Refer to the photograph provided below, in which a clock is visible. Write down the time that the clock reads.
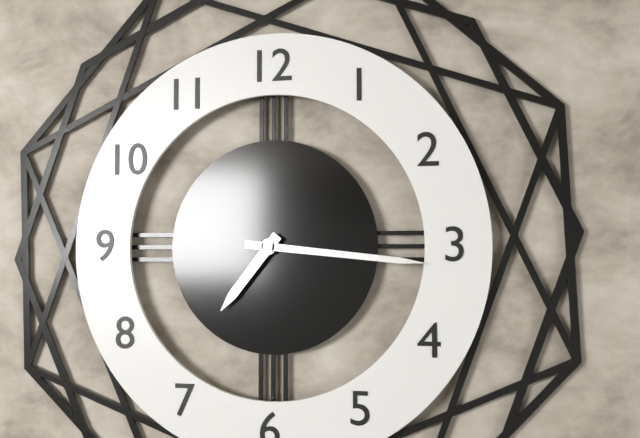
7:16
